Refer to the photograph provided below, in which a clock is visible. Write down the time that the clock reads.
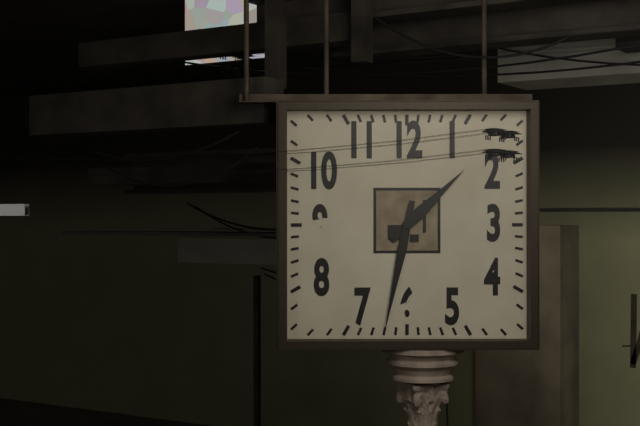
1:32
